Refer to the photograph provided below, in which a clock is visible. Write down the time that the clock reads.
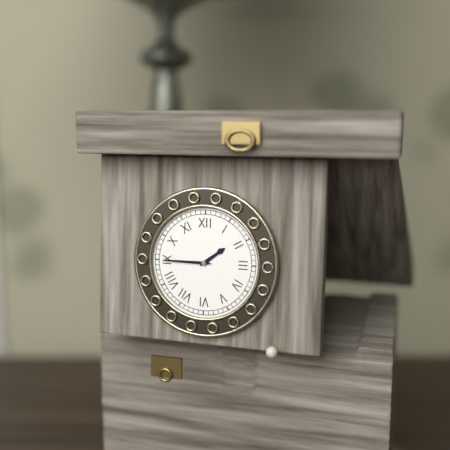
1:45
